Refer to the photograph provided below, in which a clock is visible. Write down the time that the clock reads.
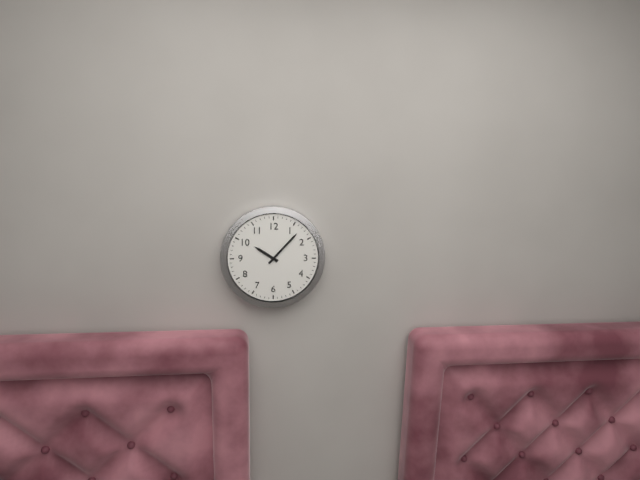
10:07
